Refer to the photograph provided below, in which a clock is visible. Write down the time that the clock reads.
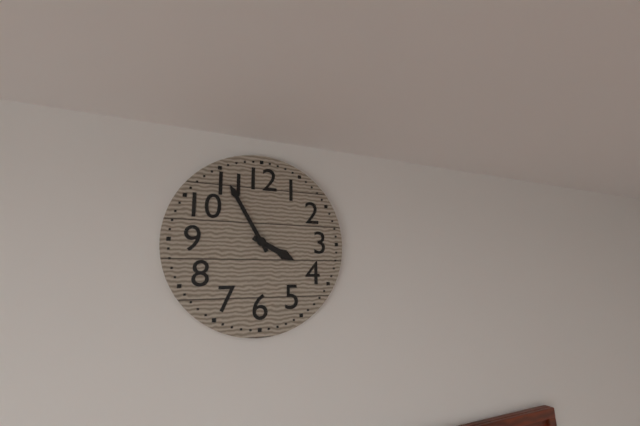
3:55
